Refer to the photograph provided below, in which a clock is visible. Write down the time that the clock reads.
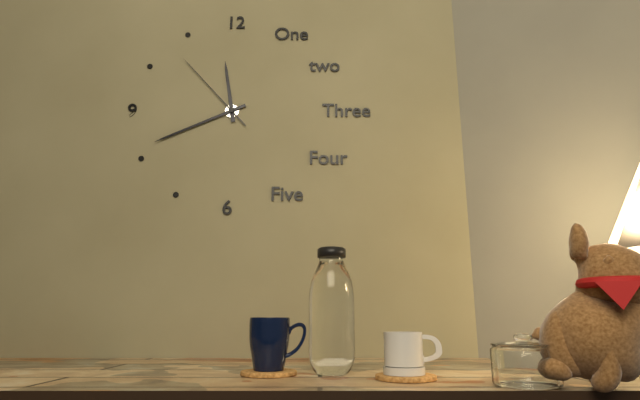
11:41:53
